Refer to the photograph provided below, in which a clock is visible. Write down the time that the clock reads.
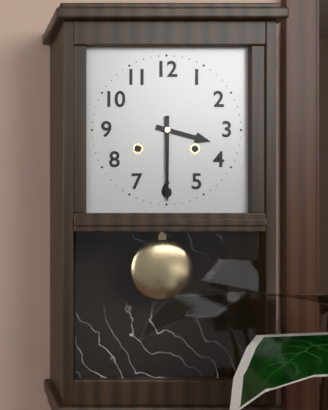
3:30
